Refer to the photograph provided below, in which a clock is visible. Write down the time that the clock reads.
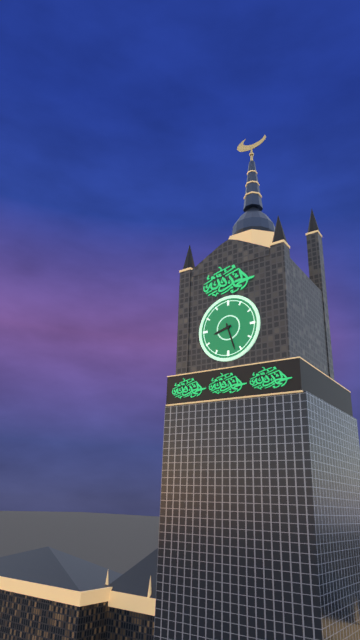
8:27
